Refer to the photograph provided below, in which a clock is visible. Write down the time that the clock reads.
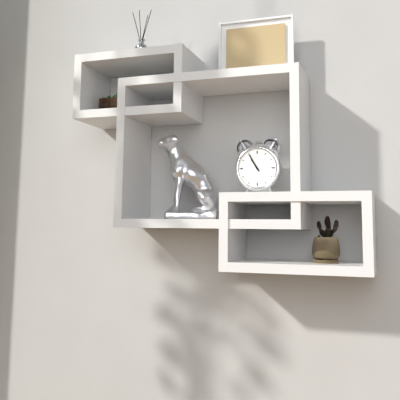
10:55
